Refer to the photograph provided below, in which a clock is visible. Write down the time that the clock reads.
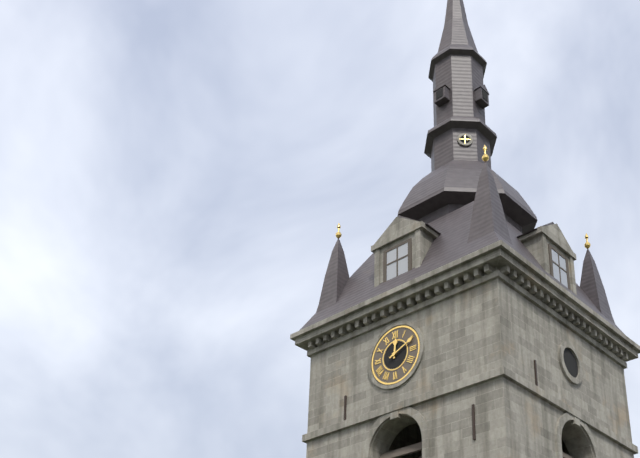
12:11
